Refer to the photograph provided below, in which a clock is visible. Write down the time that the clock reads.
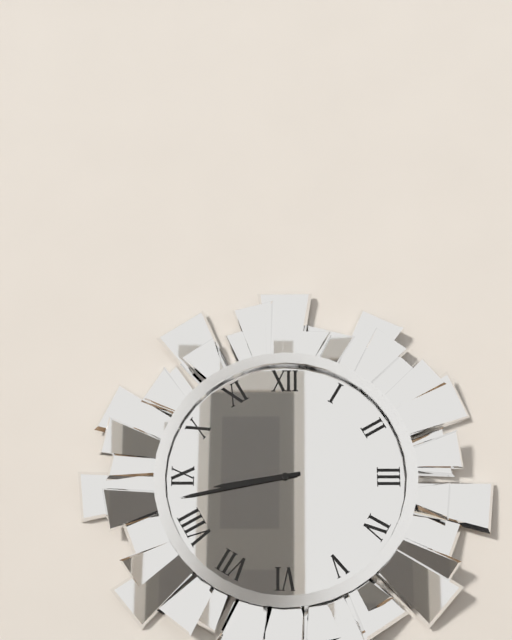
8:43
